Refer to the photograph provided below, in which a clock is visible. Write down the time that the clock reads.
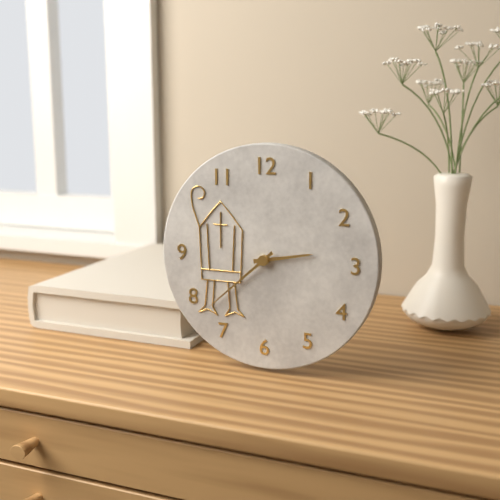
2:38
